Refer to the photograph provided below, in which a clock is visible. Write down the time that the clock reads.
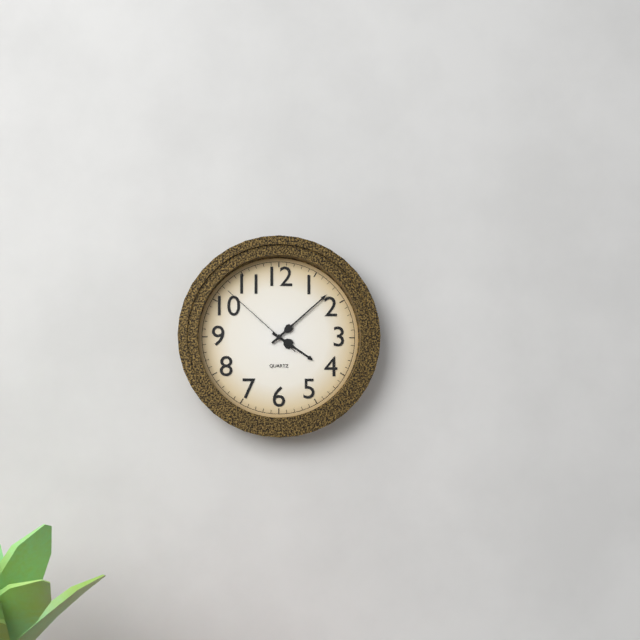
4:08:52
